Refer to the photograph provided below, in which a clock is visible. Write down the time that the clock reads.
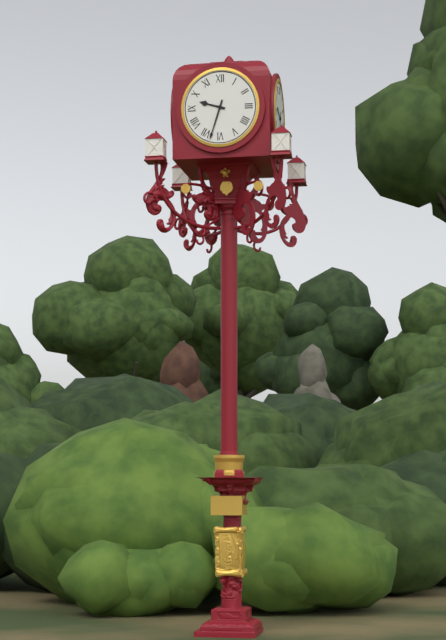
9:33
